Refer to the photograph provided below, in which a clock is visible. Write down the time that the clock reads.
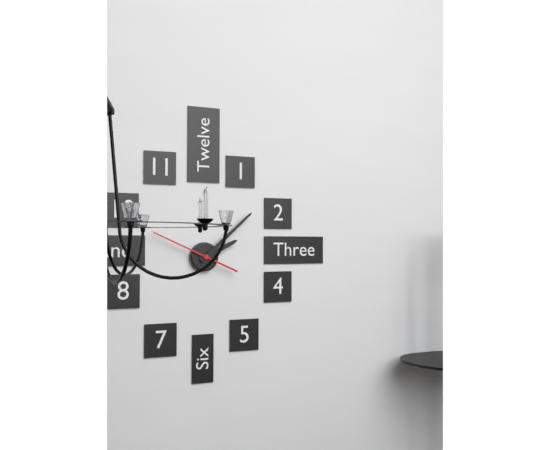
2:08:49
